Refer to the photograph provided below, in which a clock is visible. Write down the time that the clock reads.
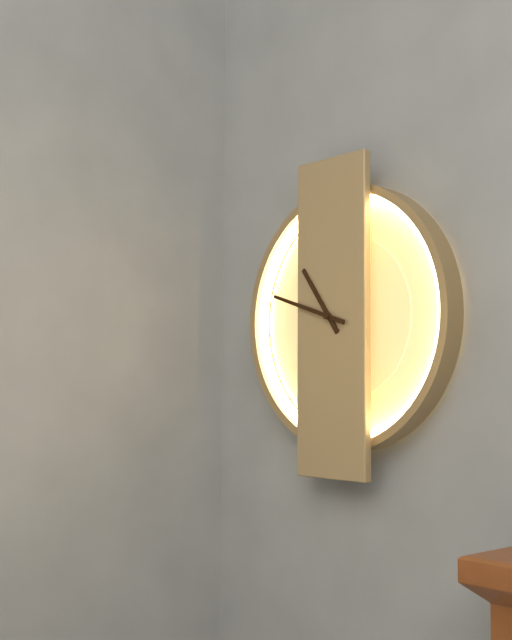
10:48
